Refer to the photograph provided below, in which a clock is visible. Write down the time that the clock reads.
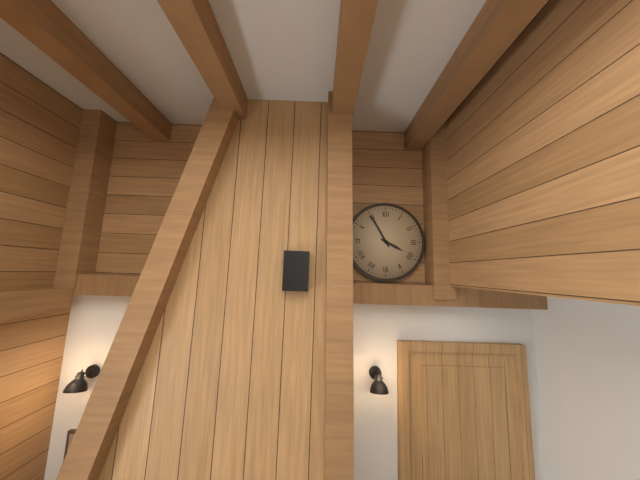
3:55
